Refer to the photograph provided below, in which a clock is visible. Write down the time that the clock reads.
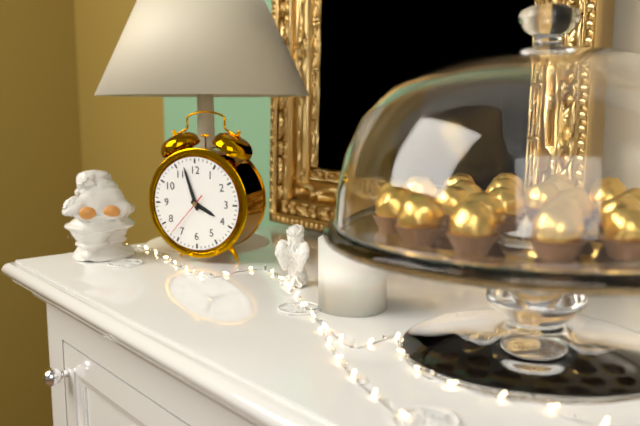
3:57
